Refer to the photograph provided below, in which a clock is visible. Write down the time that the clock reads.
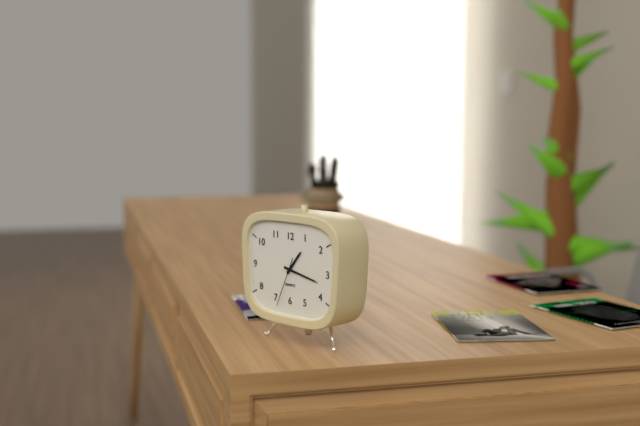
1:17
